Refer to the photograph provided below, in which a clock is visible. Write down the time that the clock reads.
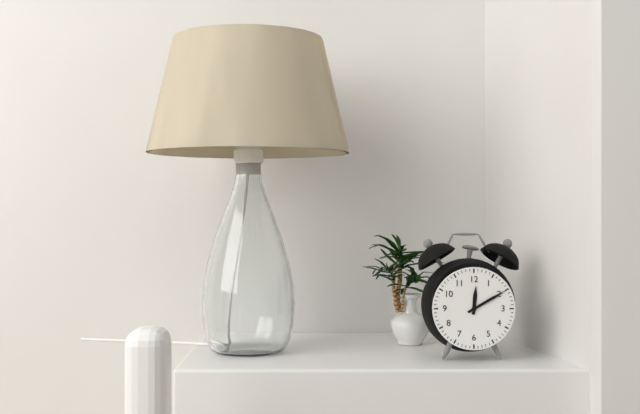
12:10
